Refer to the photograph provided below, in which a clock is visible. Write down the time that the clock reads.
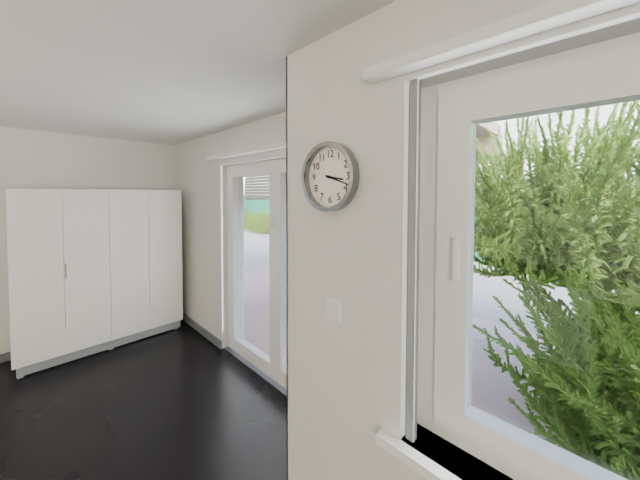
3:18
